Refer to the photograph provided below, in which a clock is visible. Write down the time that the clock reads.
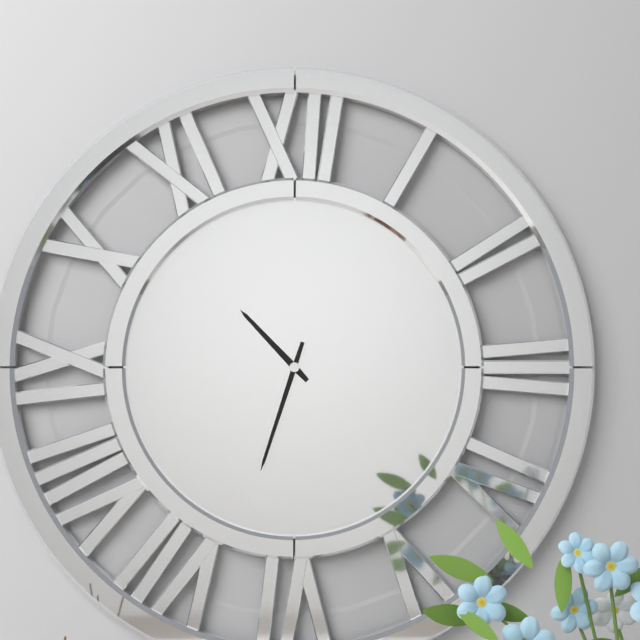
10:33
